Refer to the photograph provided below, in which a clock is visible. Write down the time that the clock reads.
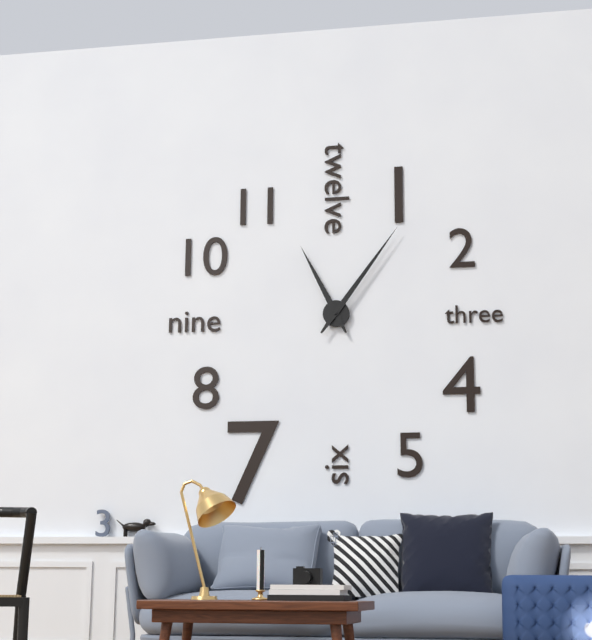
11:06
